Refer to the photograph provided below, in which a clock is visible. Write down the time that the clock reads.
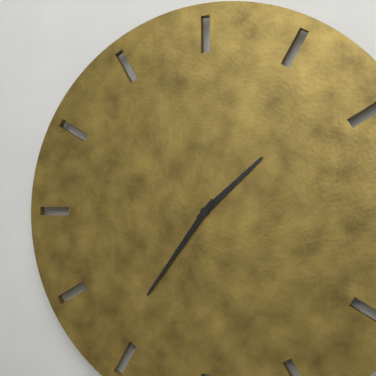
1:36
